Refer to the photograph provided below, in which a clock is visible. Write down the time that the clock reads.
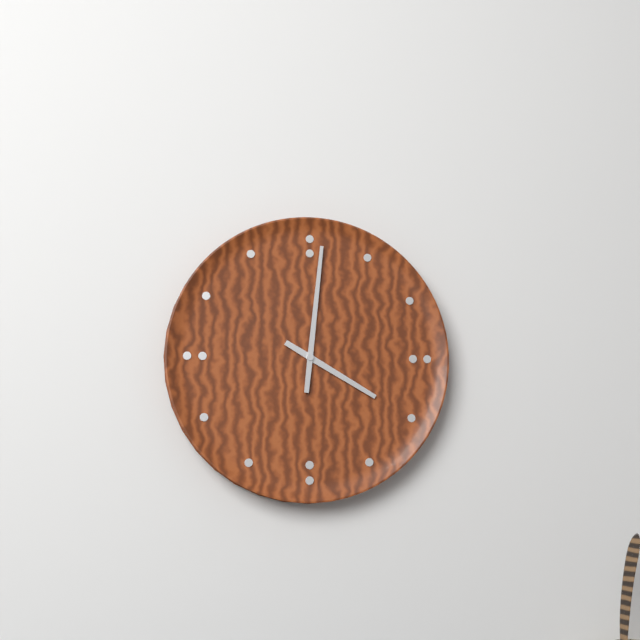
4:01
